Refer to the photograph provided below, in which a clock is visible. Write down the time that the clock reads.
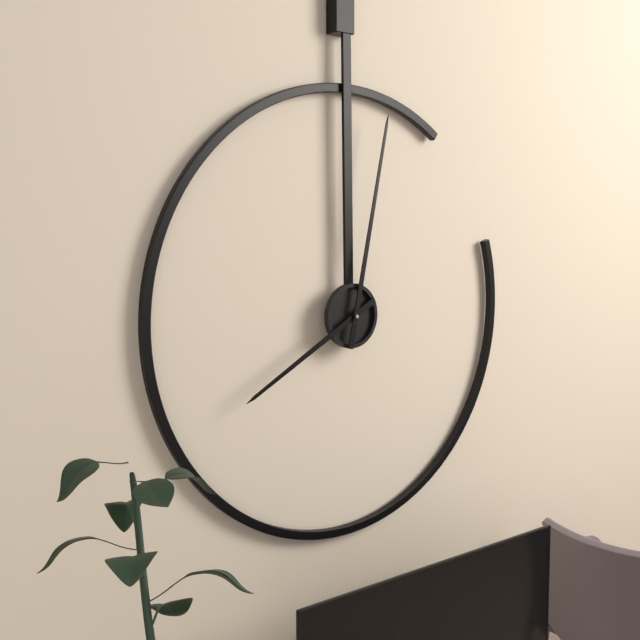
8:02
